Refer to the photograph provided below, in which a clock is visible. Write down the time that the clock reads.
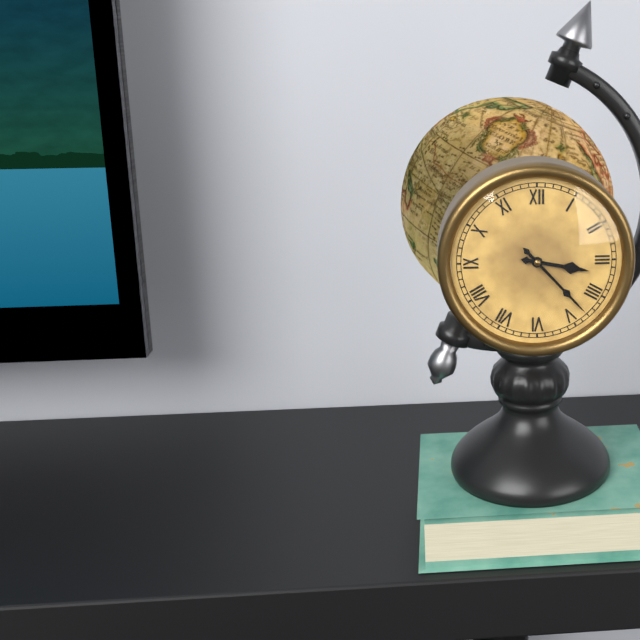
3:23
